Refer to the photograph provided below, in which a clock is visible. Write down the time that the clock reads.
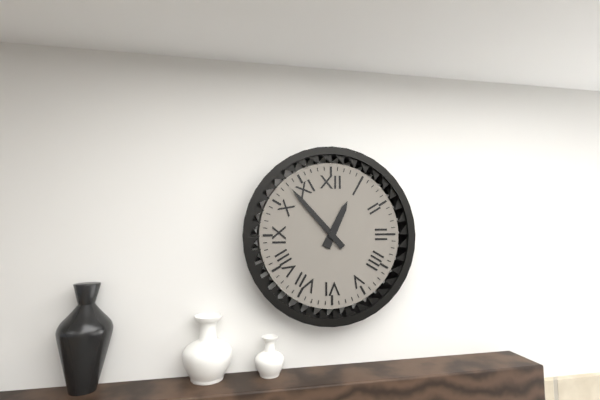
12:53
